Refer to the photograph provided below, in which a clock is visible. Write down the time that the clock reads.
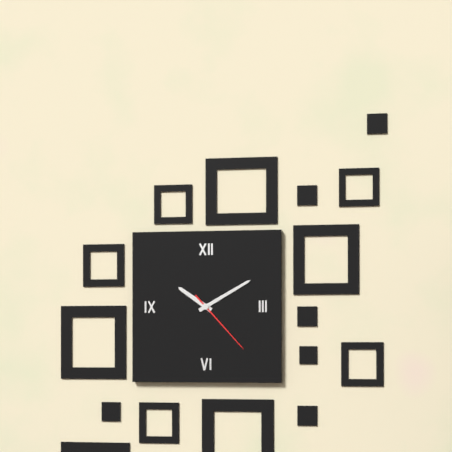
10:10:23
